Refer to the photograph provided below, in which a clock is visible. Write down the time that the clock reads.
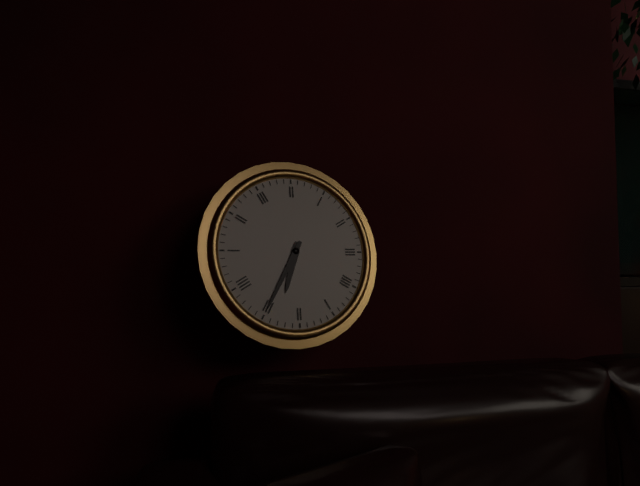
6:35
